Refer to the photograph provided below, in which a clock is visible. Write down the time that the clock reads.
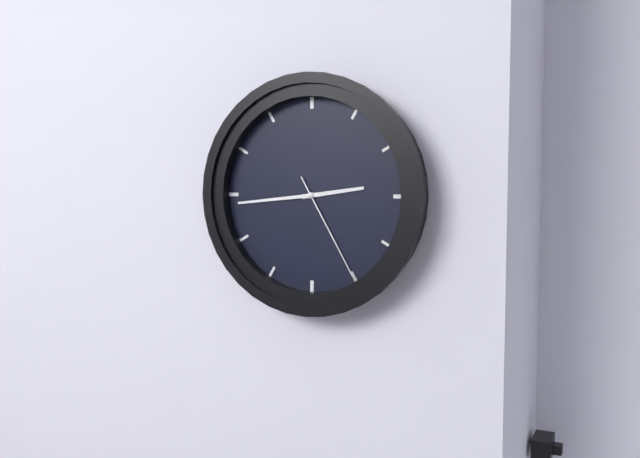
2:44:25
